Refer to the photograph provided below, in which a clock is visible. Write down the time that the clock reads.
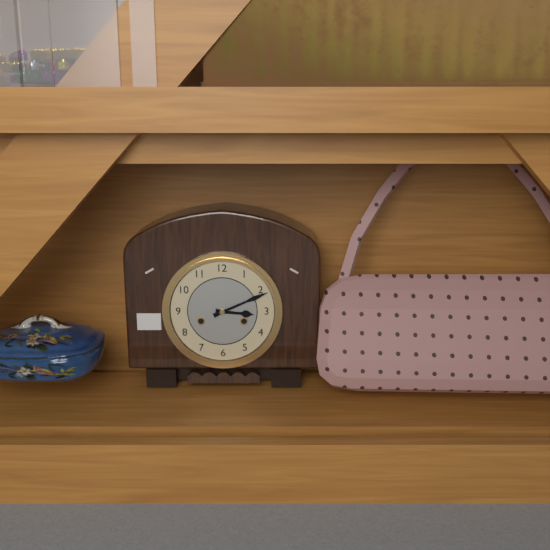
3:11
